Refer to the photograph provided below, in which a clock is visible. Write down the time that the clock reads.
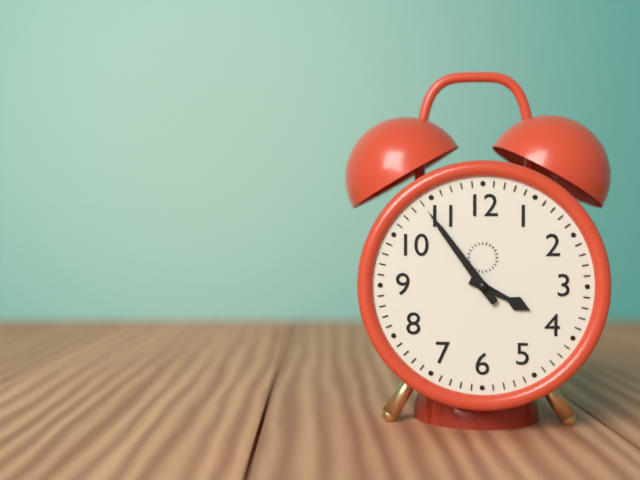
3:54
